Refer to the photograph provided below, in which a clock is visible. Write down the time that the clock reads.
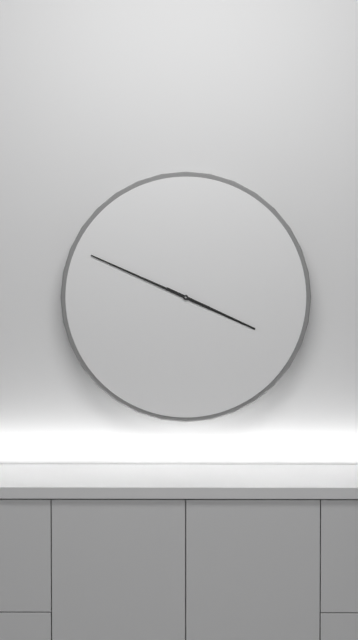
3:49
